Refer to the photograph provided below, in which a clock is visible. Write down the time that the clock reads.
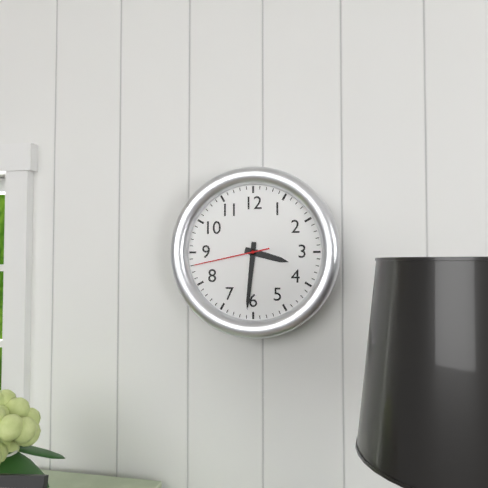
3:31:43
